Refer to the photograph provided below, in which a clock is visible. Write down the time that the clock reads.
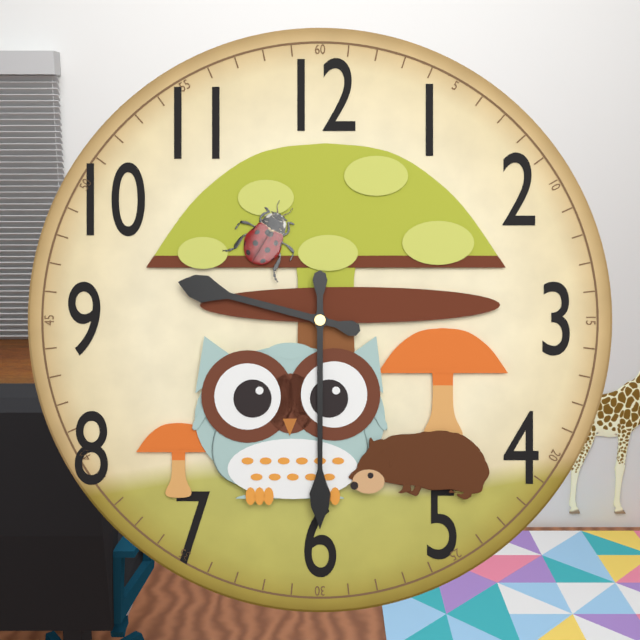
9:30
